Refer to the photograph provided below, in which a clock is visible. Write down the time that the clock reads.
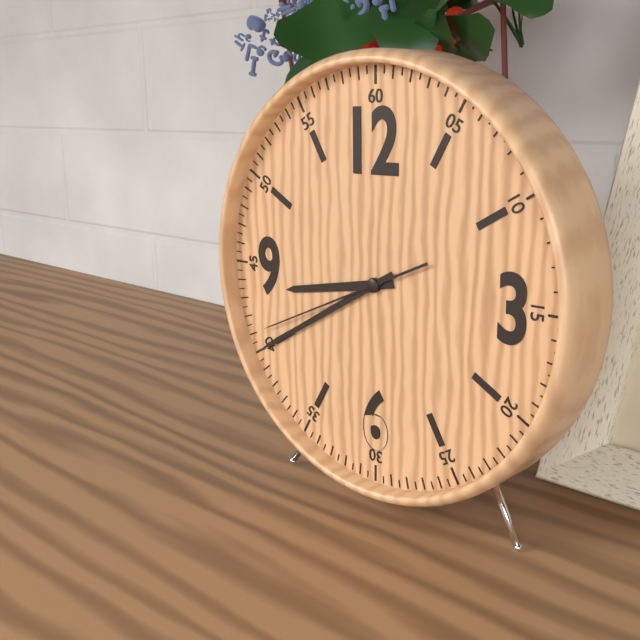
8:40:41
